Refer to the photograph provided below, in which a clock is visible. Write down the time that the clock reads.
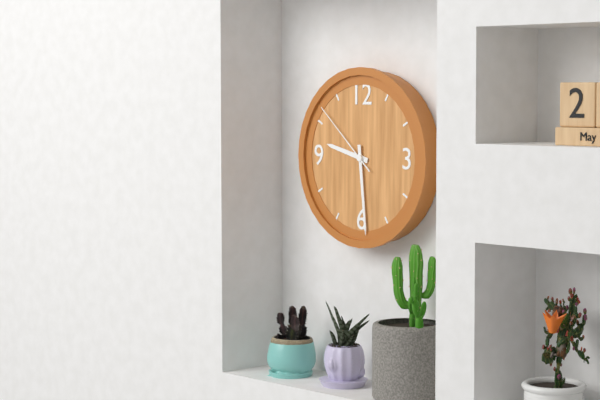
9:29:52
